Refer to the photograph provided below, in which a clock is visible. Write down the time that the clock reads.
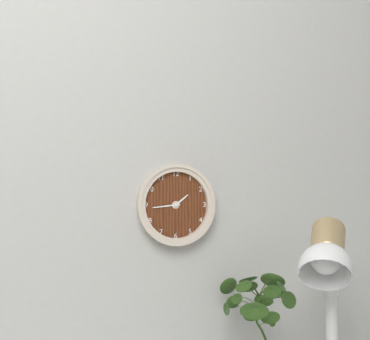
1:44
